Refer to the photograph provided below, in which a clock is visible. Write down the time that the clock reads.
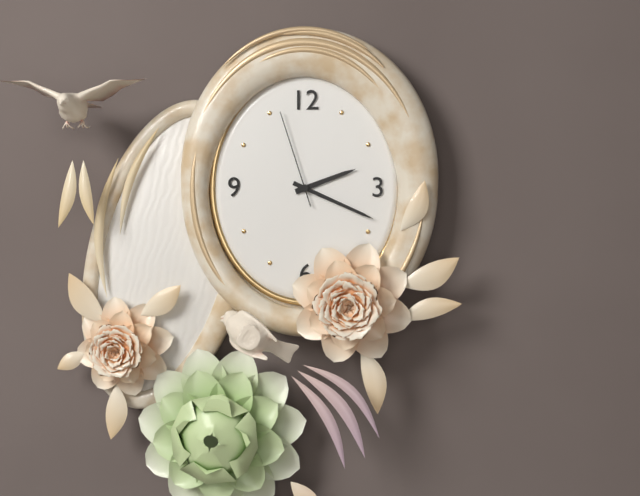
2:19:57
